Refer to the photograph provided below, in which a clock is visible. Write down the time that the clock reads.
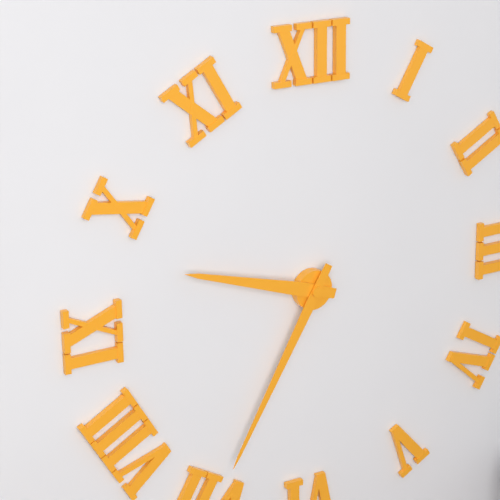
9:35
